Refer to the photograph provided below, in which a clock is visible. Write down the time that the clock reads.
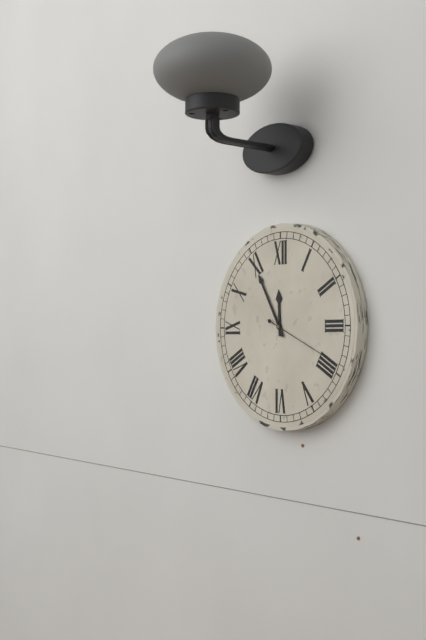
11:55:19
